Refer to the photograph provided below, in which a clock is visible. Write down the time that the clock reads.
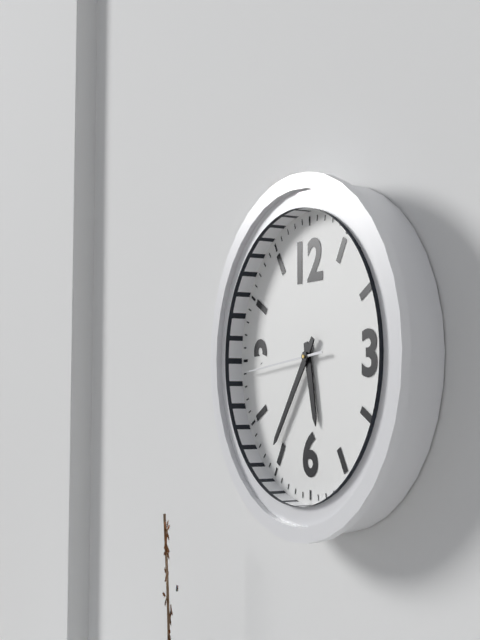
5:36:44
